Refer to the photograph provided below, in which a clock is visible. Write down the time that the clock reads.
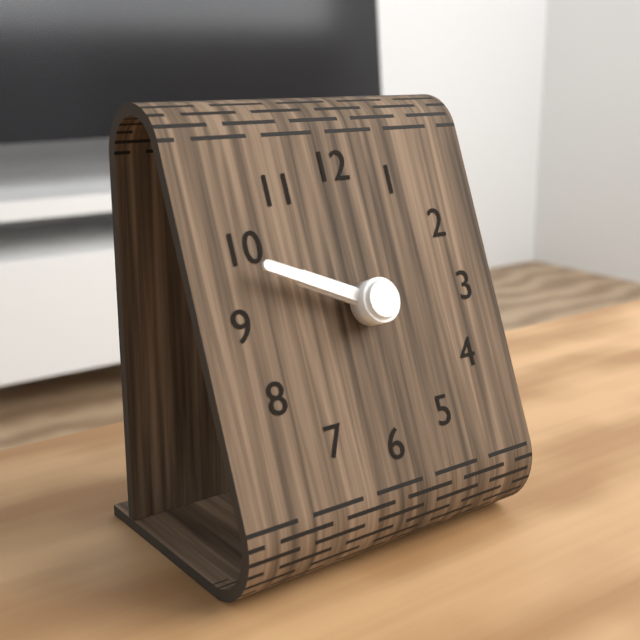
9:49
